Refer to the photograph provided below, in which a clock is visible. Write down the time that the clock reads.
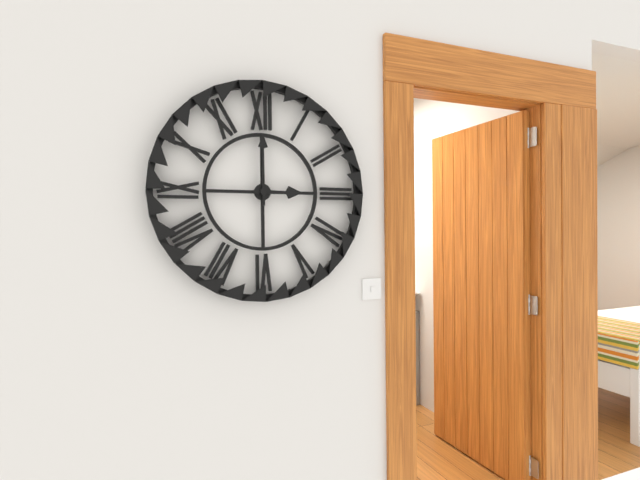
3:00
